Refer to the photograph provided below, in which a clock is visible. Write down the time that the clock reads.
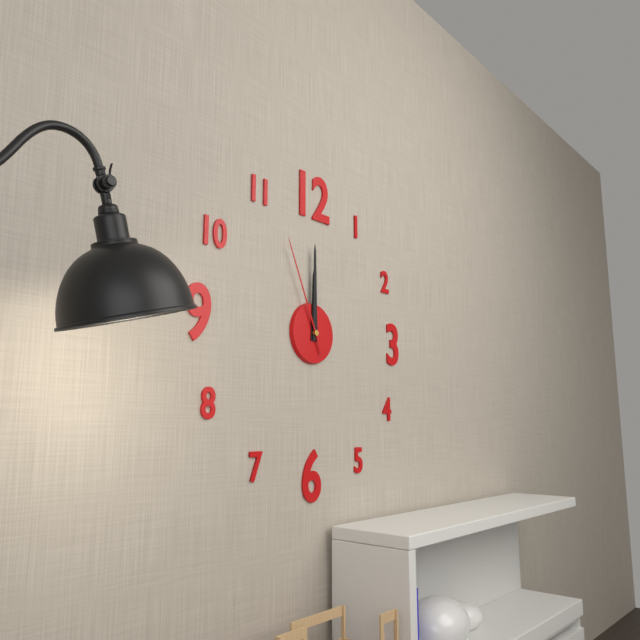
12:00:56
